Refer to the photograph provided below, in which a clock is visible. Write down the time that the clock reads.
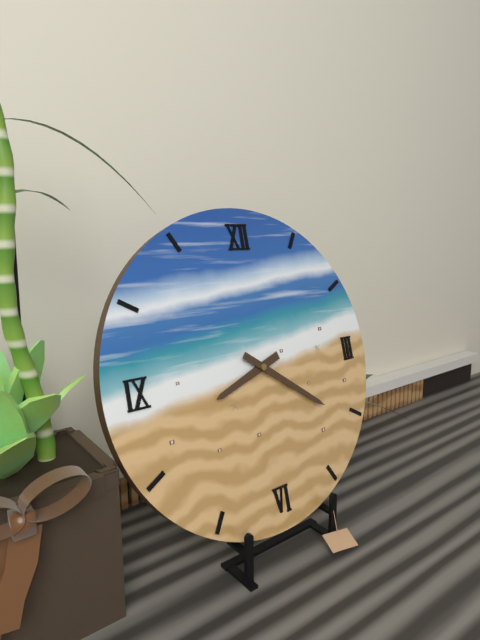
8:21
